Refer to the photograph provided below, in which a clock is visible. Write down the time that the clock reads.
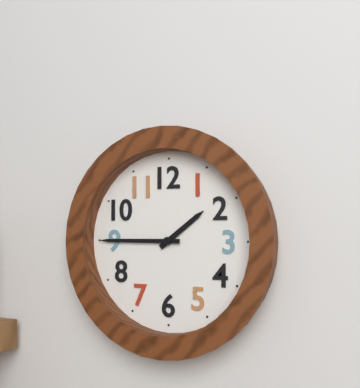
1:45
